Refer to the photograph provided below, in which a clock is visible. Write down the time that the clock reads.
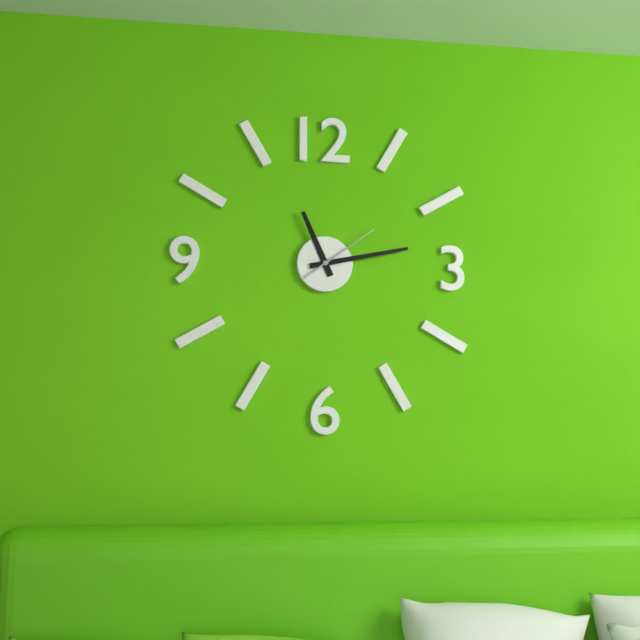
11:13:09
